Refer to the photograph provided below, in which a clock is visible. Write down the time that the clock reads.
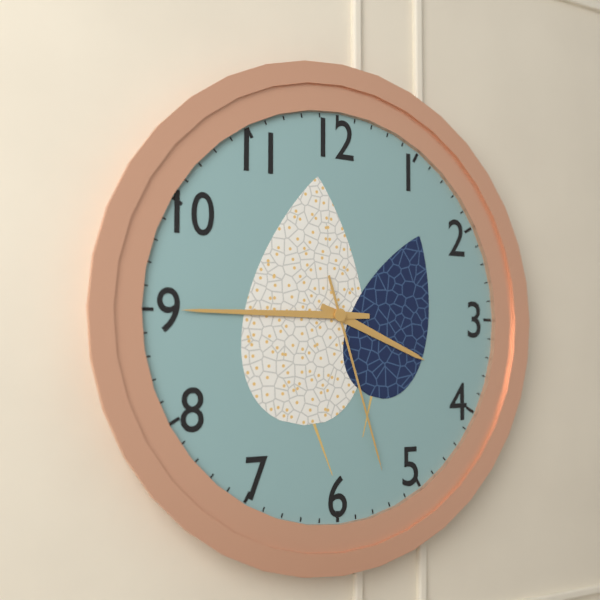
3:45:27
